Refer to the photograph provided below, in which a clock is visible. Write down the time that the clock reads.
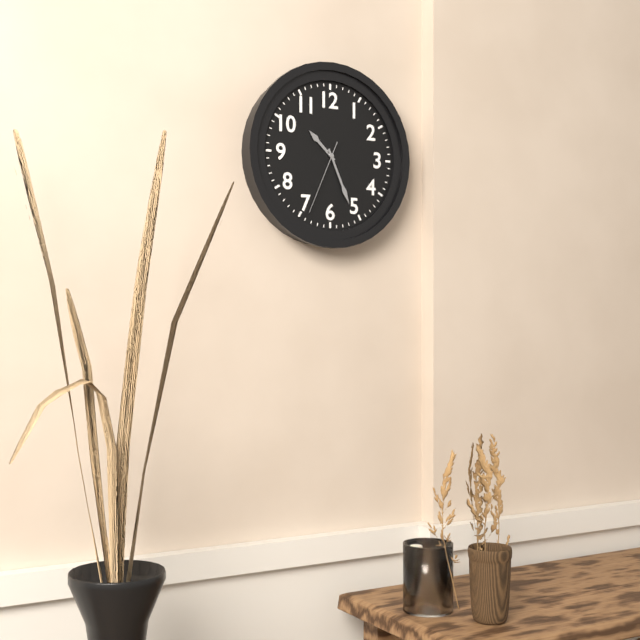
10:26:34
